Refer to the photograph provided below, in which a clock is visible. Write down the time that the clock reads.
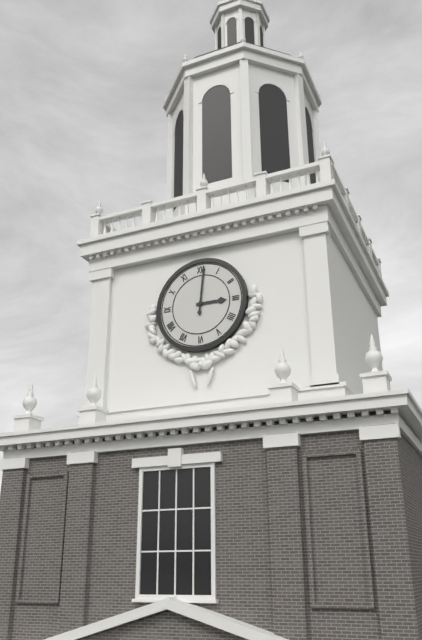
3:01
